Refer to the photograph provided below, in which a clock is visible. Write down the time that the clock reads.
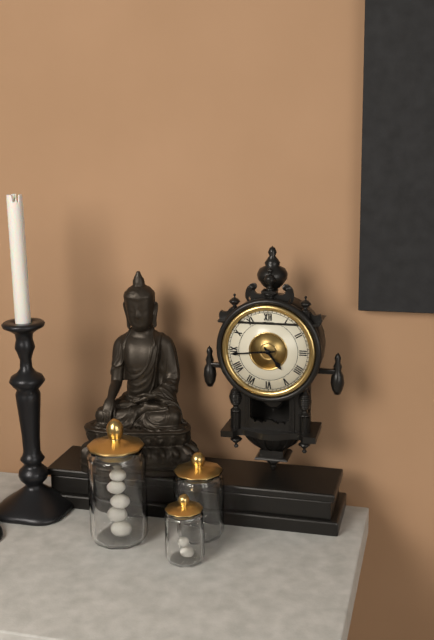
4:44
